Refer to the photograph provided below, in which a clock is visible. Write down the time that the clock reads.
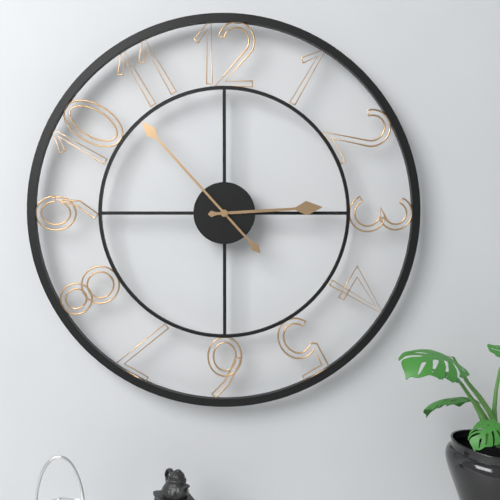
2:53
